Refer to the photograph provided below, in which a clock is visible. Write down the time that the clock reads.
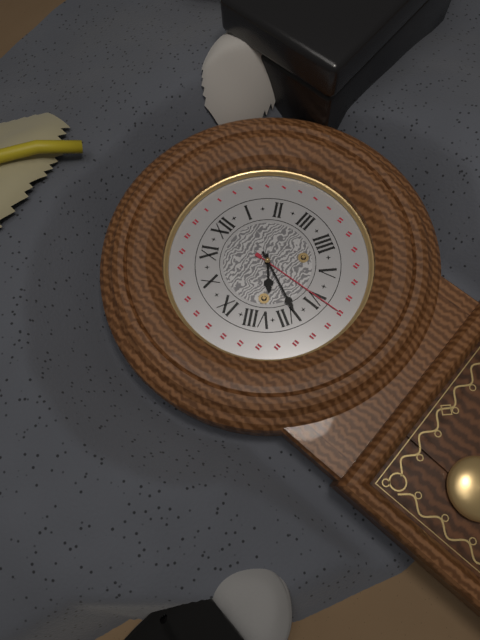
7:34
